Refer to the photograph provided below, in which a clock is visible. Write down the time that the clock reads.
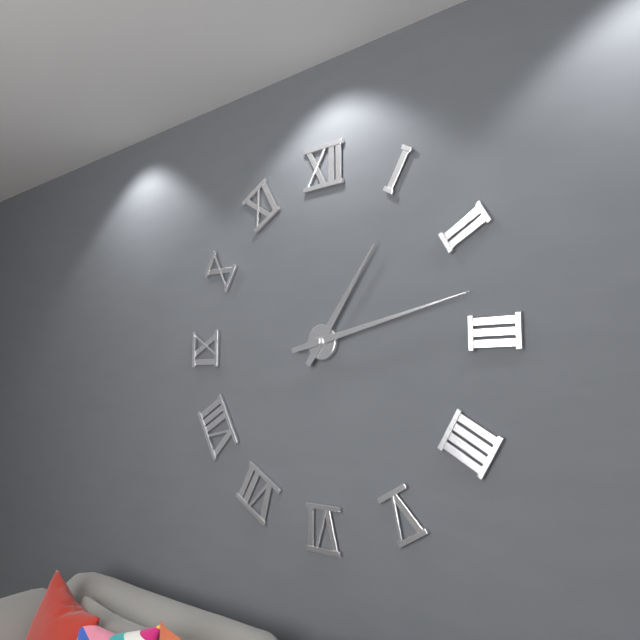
1:13
